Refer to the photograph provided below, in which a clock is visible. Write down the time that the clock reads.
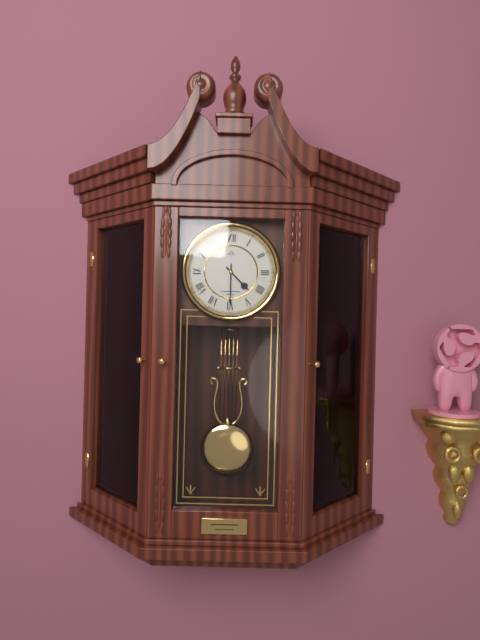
4:30
